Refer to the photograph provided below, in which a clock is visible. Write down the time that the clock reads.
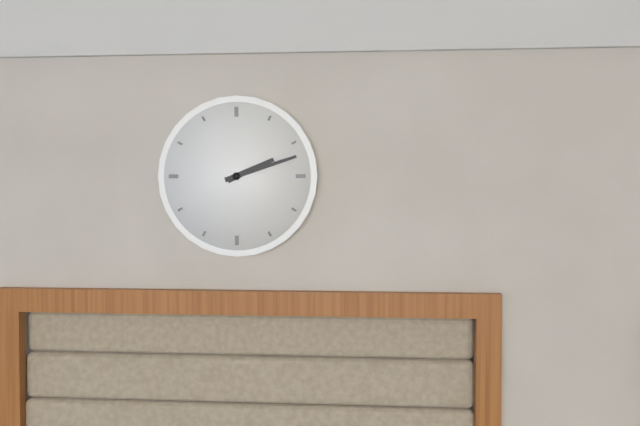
2:12
